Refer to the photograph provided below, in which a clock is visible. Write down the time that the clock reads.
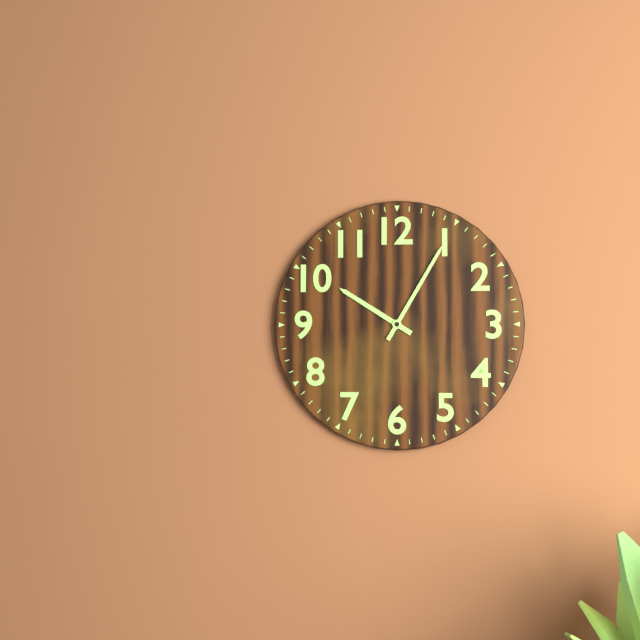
10:05
